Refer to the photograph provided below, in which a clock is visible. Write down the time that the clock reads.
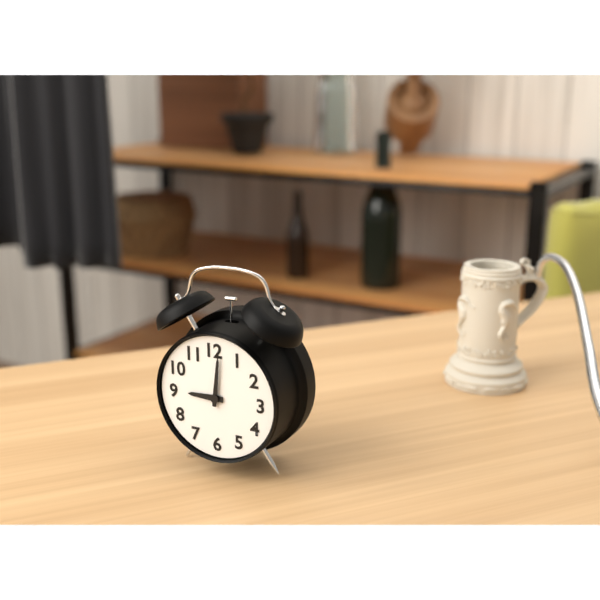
9:01
